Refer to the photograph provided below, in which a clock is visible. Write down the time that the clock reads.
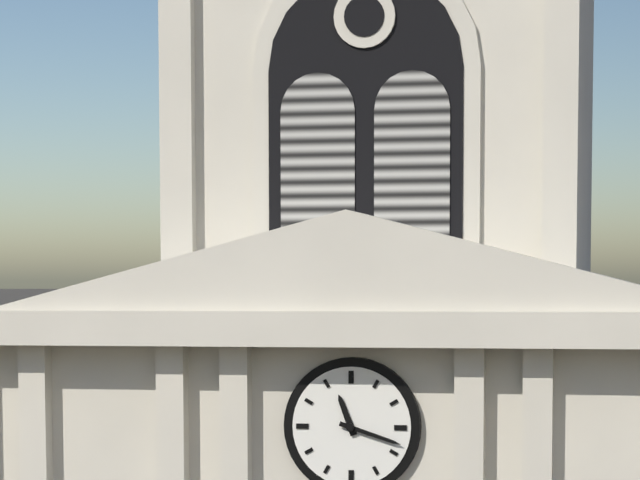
11:18
